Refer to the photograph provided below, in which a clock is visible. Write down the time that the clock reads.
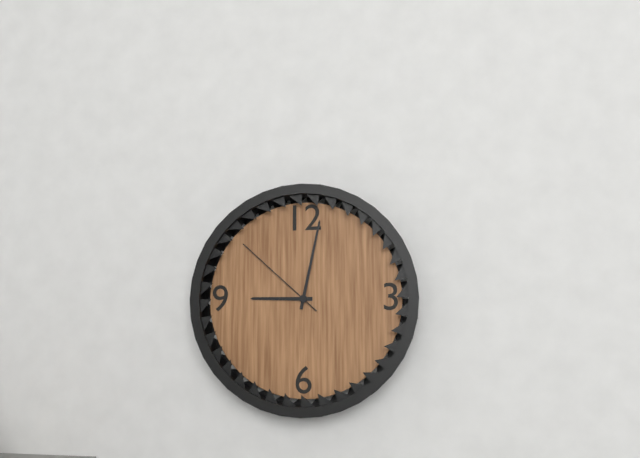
9:02:52
